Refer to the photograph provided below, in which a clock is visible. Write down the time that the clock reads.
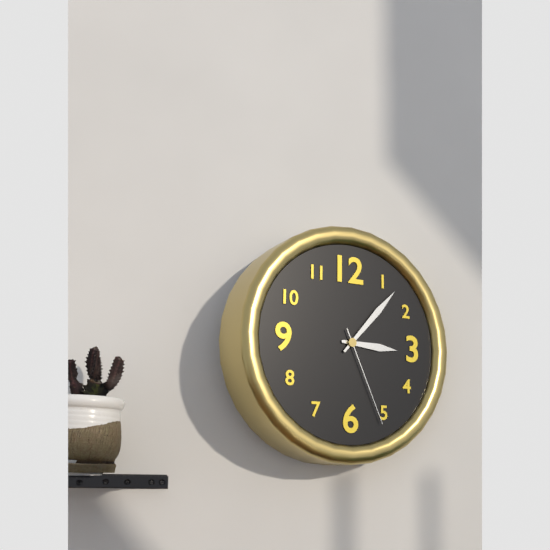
3:07:26
